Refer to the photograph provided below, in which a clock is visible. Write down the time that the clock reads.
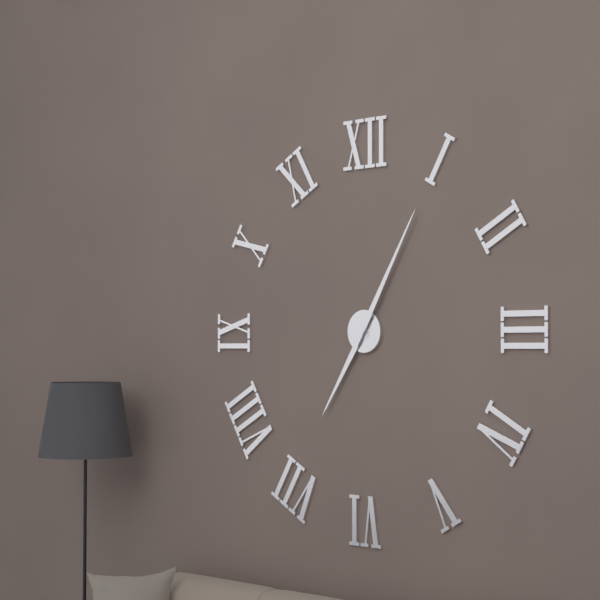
7:05
